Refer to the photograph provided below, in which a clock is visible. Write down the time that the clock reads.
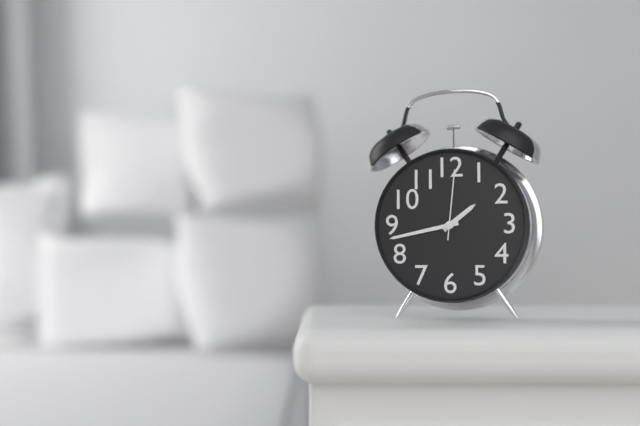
1:43:01
